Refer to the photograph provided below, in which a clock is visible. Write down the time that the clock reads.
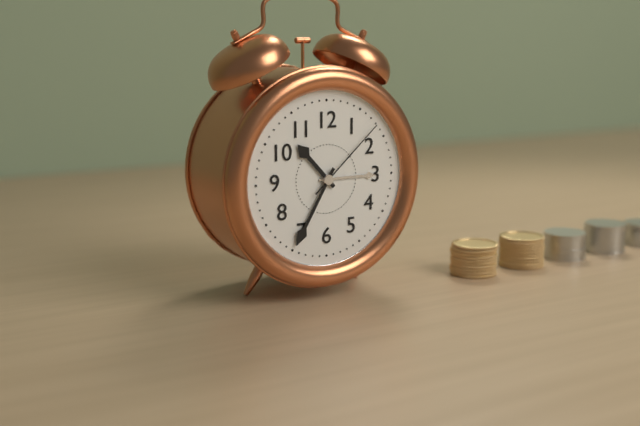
10:35:08
